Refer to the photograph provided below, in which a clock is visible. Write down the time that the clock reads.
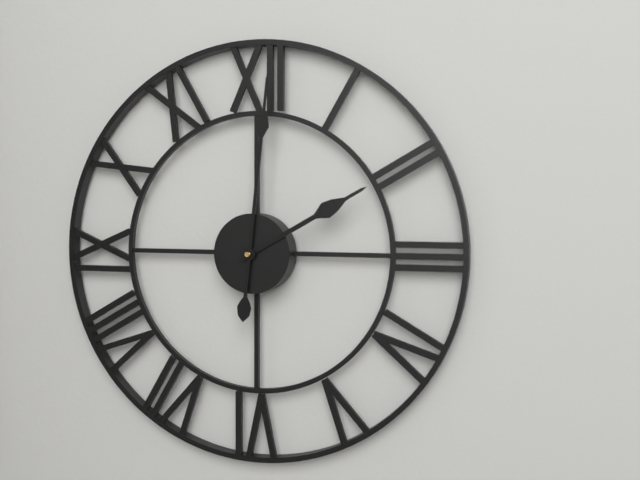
2:01
